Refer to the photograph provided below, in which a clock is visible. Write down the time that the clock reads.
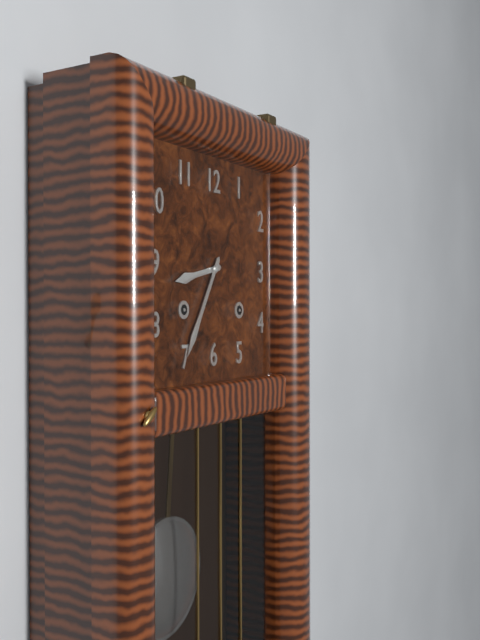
8:35
